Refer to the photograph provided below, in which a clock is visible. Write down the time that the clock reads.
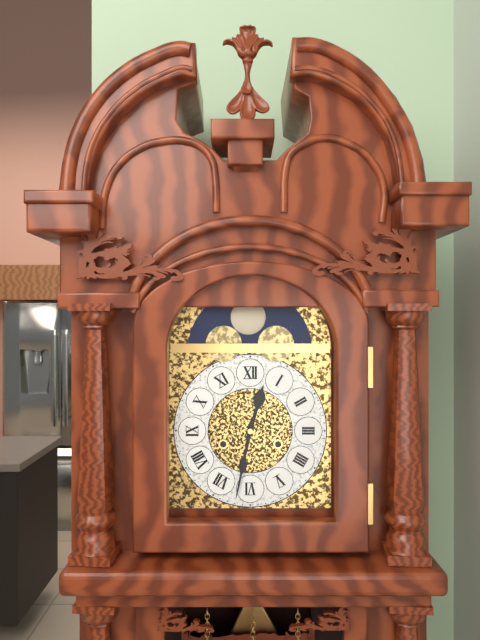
12:32
